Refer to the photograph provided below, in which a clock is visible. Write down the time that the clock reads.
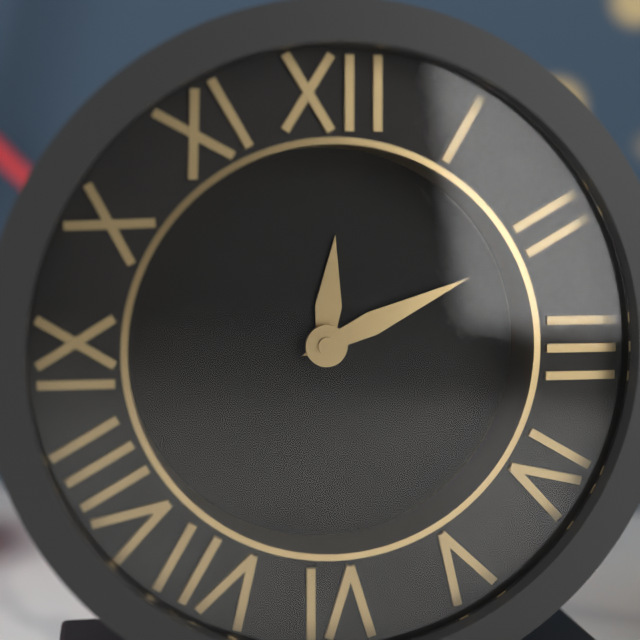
12:11
